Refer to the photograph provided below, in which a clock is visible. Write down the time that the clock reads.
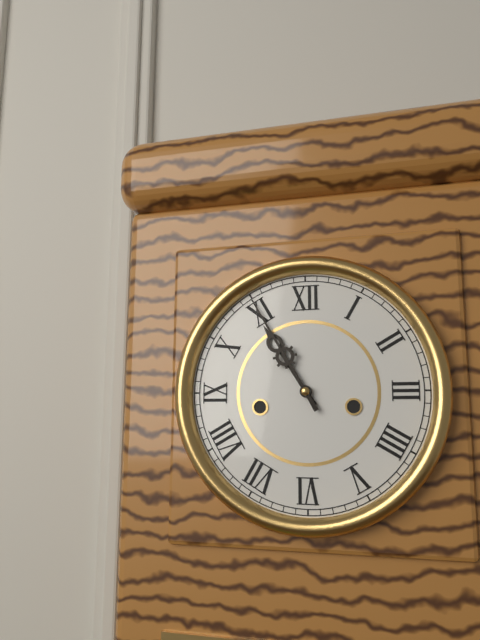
10:55
